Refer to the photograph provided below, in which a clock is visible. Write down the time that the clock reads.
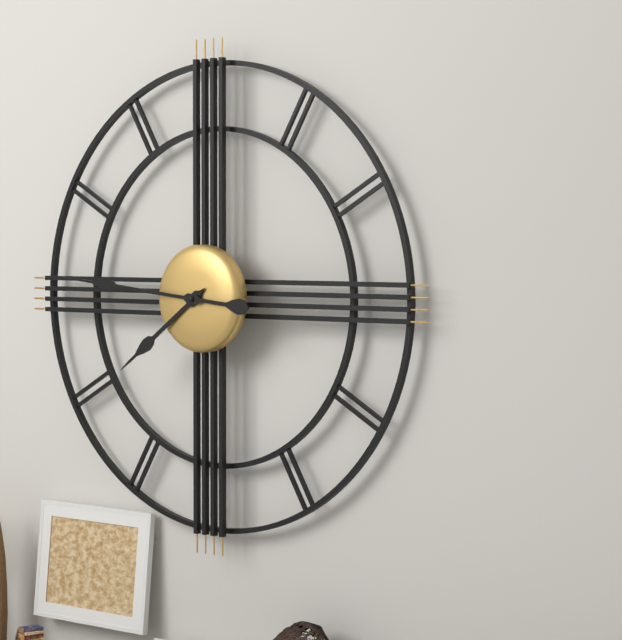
7:46
